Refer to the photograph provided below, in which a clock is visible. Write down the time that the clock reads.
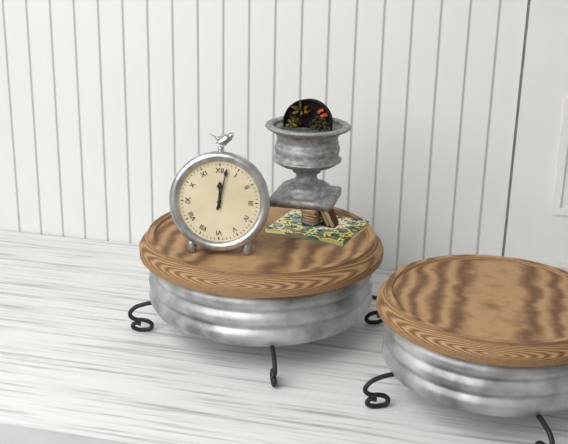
12:02
